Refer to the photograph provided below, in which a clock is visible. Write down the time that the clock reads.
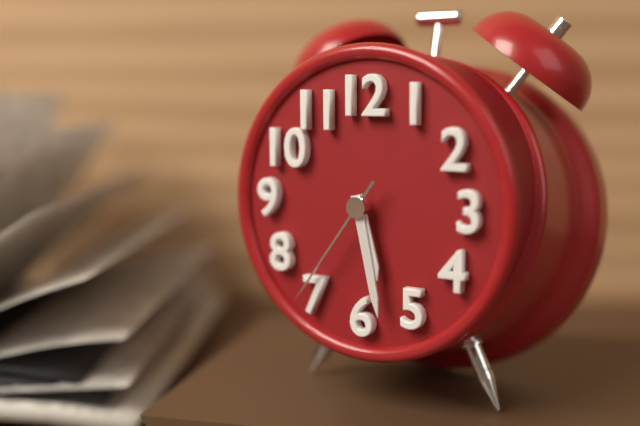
5:28:36
